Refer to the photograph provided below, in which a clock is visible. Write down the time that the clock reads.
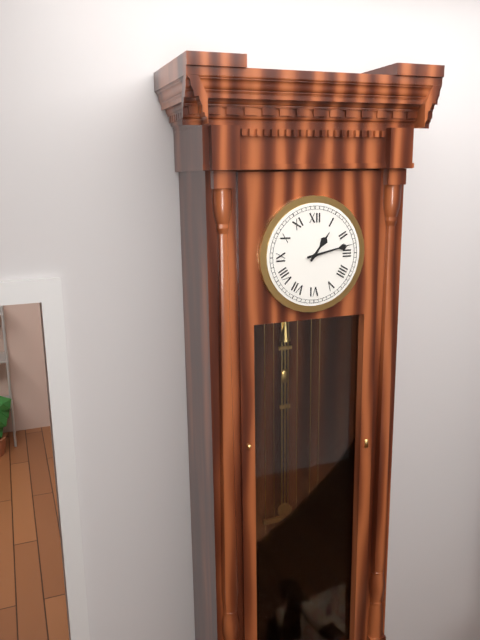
1:13
